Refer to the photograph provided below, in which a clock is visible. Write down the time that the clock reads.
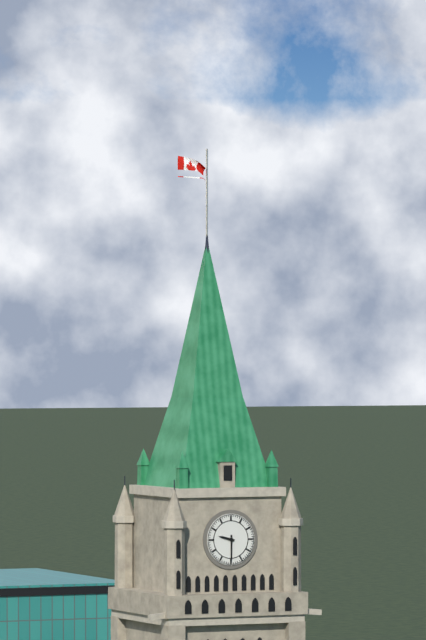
9:30
